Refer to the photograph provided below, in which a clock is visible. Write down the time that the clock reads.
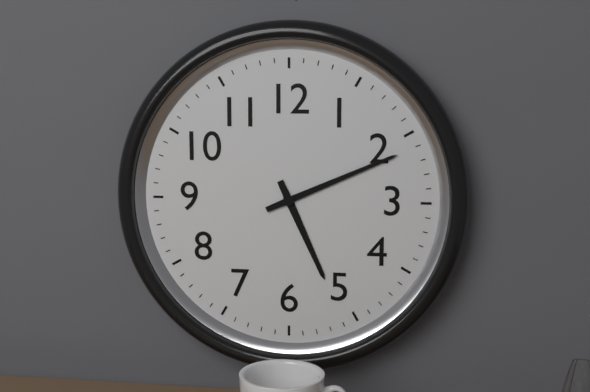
5:11
